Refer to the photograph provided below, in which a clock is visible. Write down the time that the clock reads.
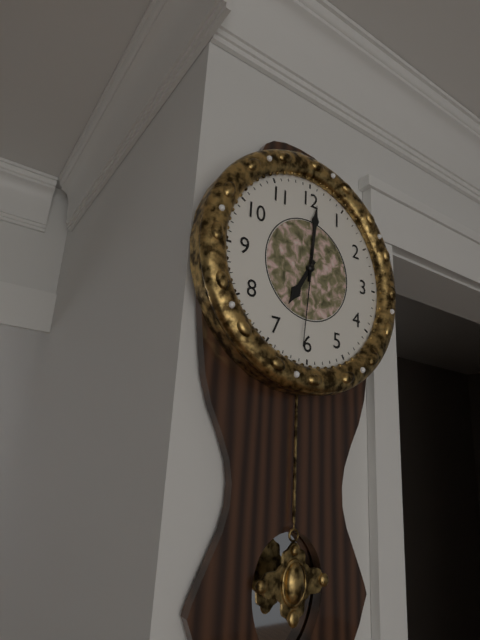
7:01:31
